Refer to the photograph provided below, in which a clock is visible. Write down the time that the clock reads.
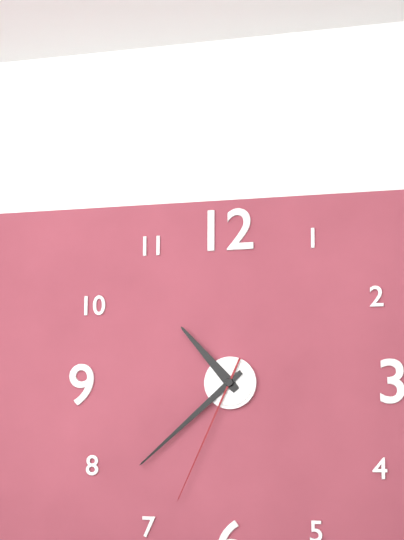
10:38:34
